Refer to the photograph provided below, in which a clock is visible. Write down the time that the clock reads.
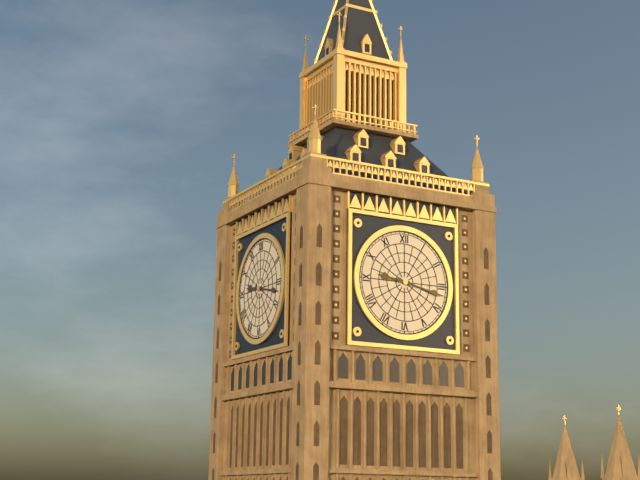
9:17
